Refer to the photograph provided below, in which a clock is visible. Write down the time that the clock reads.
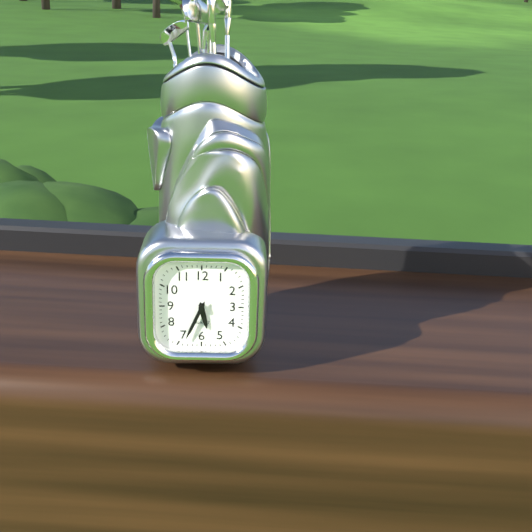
5:34
